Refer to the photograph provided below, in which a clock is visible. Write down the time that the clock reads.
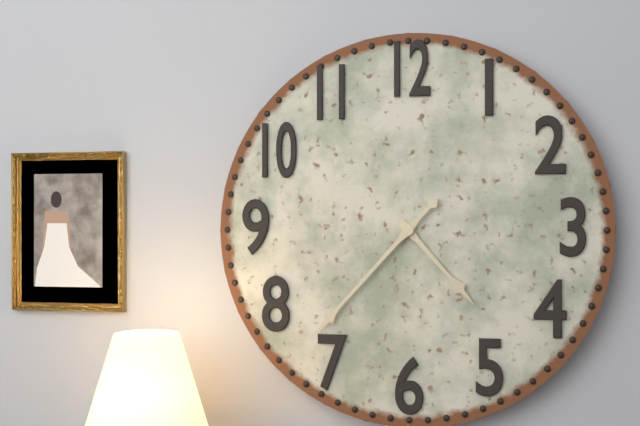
4:37
